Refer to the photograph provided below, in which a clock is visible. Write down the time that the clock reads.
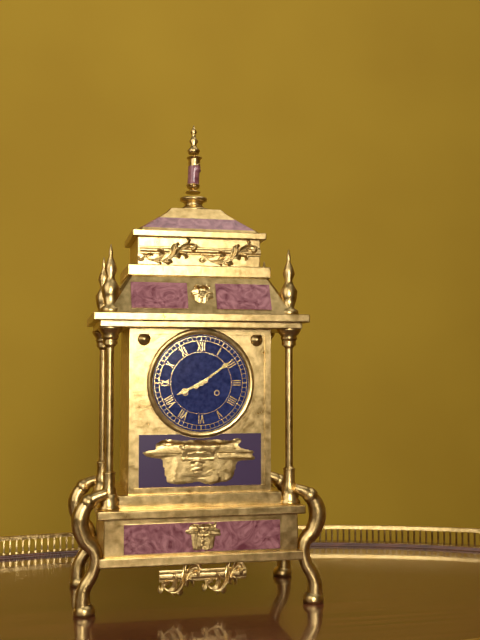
8:09
